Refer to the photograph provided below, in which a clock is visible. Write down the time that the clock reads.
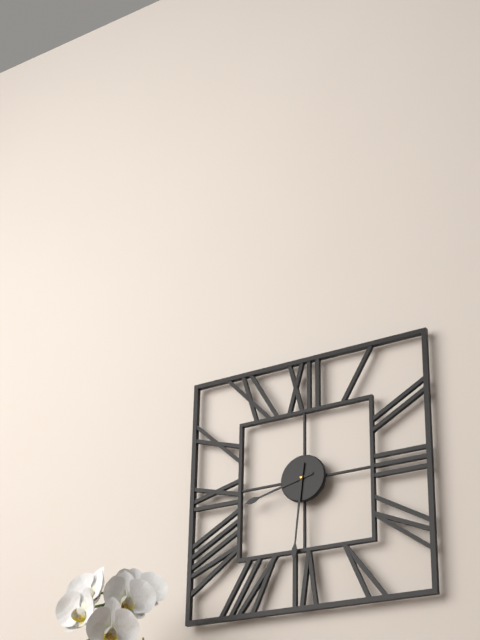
8:31
